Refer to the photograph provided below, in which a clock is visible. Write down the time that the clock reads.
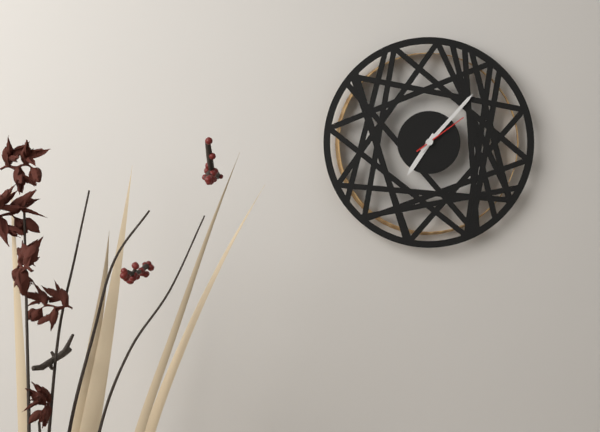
7:07:09
